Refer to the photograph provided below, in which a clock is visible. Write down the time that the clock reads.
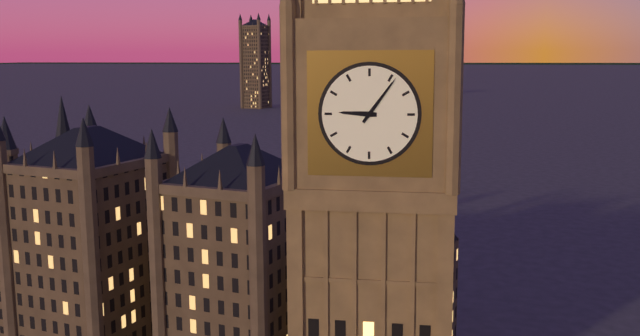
9:06
